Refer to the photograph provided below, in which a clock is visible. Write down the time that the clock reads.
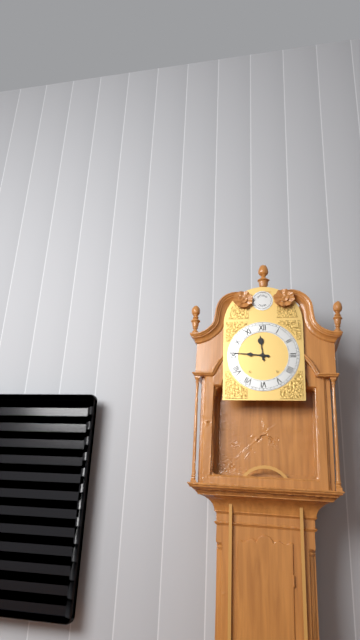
11:46
